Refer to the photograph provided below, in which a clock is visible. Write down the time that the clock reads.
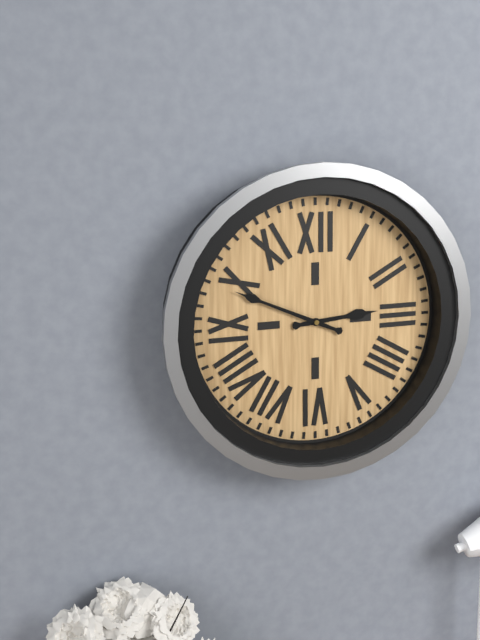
2:49
